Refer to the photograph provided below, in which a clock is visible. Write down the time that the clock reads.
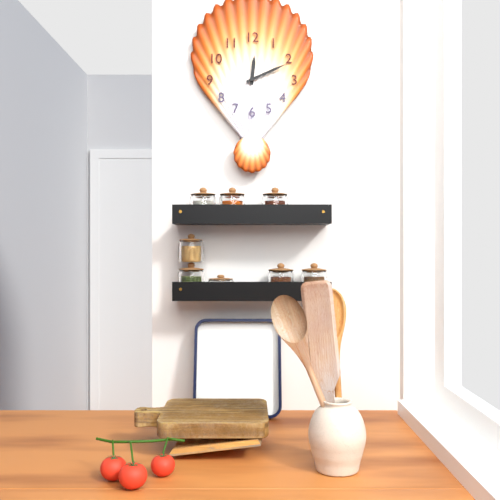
12:11
